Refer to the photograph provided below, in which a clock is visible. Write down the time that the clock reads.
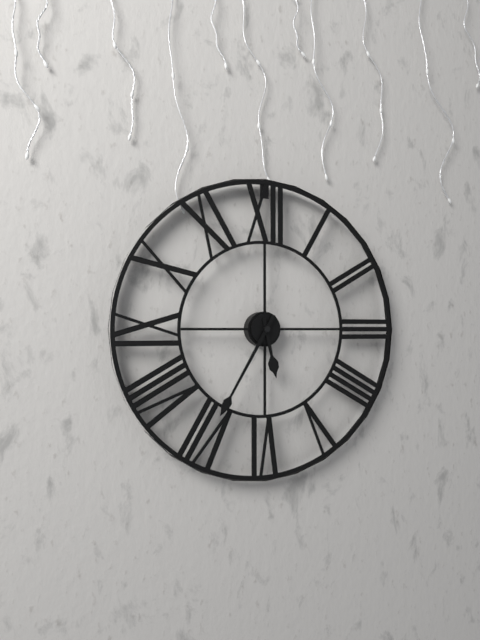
5:35
